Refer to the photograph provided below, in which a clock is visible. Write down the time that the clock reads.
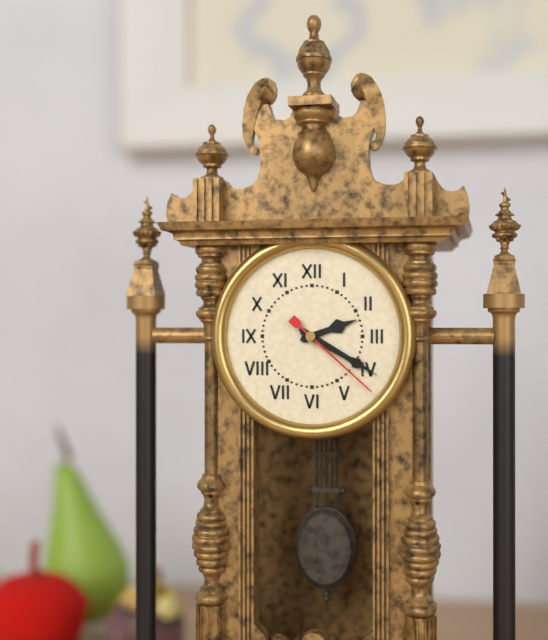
2:20:22
